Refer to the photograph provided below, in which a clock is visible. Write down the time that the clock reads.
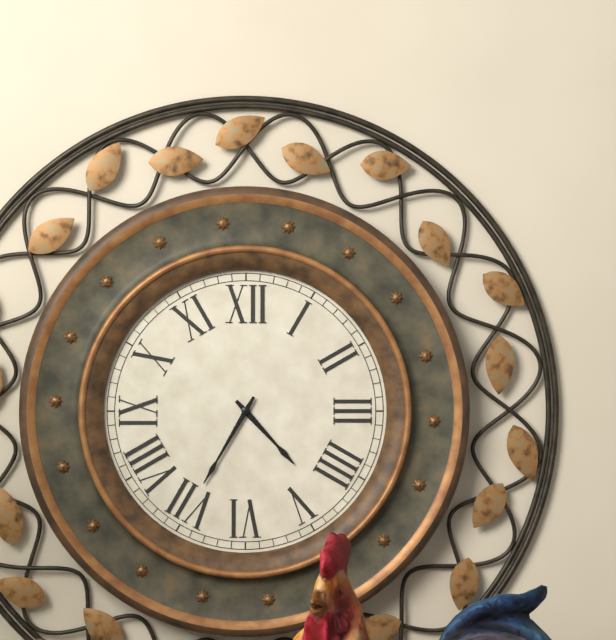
4:35
